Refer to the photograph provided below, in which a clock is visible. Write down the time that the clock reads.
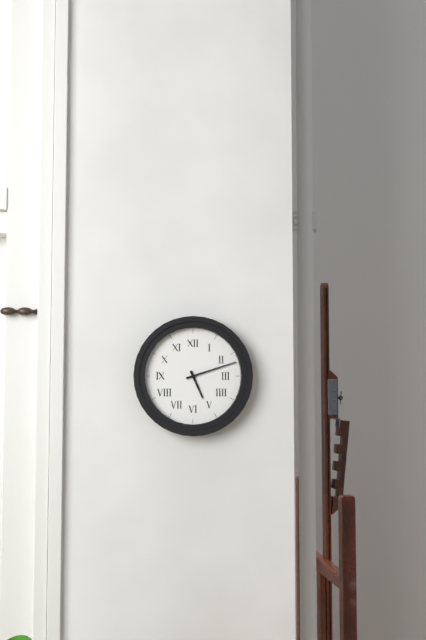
5:12
